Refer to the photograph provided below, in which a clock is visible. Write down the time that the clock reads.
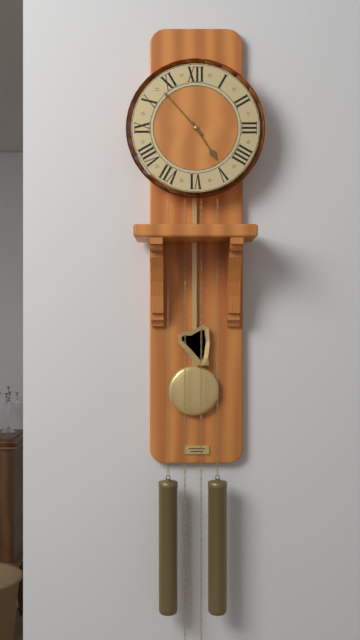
4:53
